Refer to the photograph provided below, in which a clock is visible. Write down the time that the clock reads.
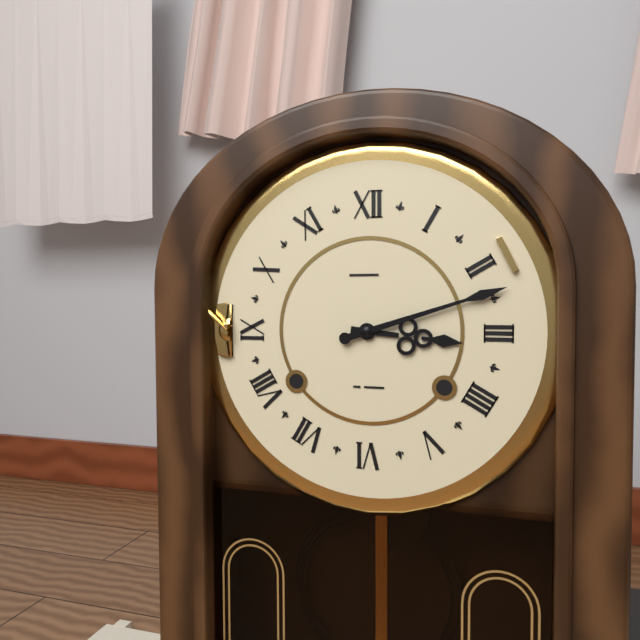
3:12
